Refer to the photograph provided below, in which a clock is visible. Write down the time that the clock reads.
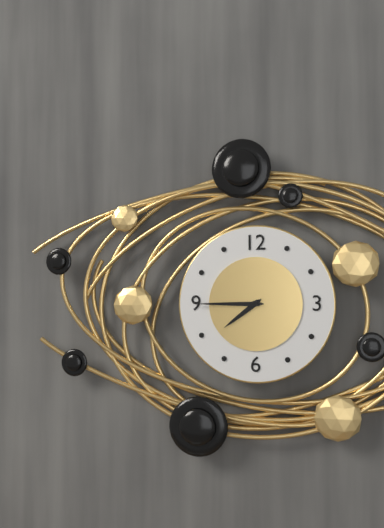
7:45
